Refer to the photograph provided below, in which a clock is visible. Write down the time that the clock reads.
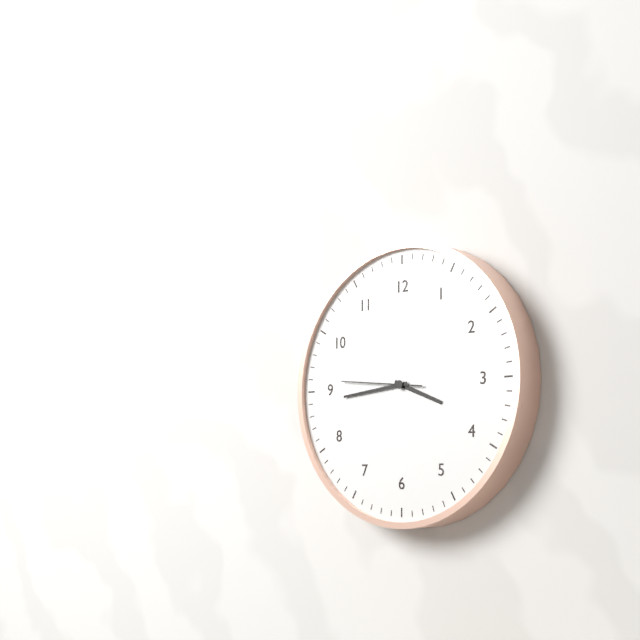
3:44:46
